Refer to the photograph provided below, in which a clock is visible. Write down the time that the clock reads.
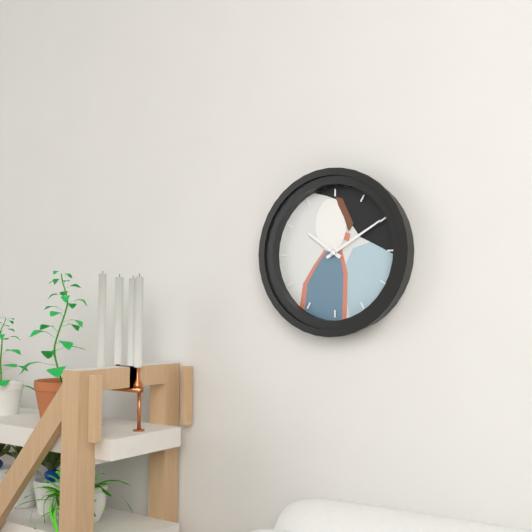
10:10
